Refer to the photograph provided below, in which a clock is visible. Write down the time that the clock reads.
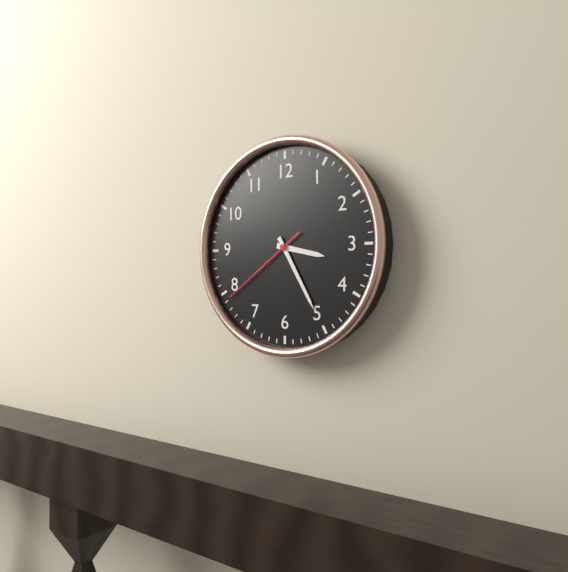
3:25:39
